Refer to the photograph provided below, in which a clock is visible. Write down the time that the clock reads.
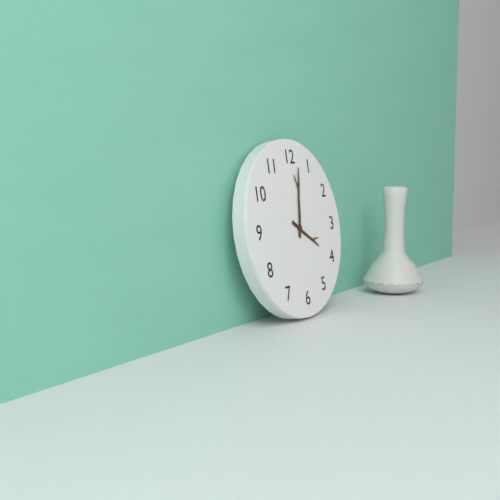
4:02
